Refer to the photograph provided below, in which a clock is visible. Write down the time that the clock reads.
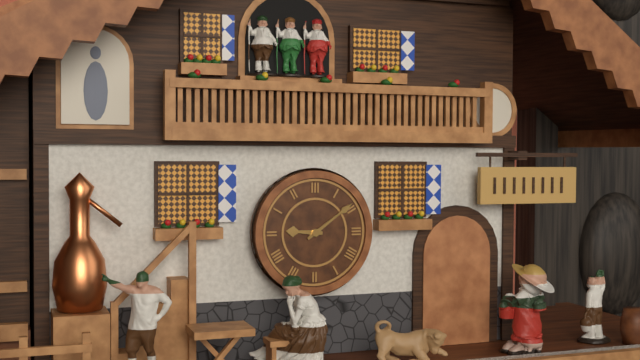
9:09
